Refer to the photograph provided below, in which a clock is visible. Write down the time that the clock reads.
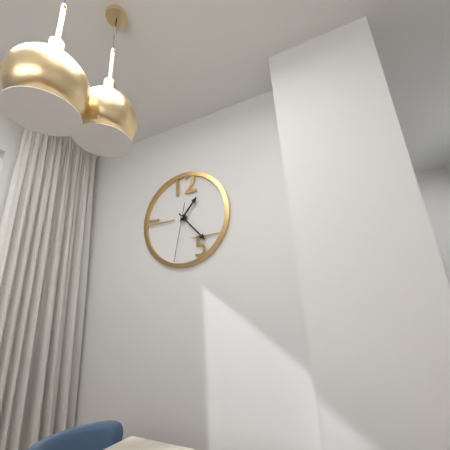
1:23:32
